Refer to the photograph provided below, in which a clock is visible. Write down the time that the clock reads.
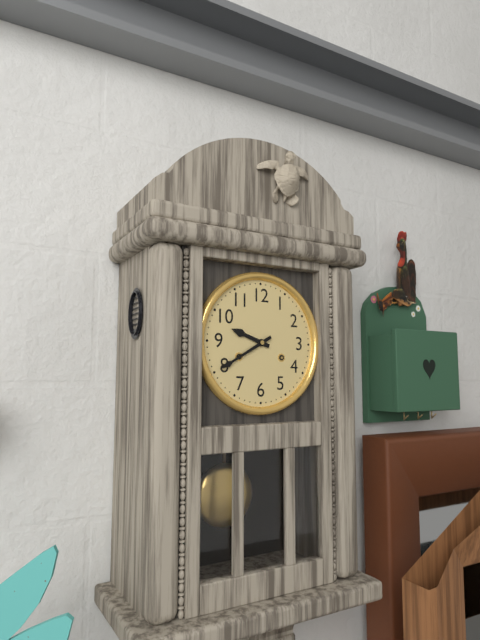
9:40
